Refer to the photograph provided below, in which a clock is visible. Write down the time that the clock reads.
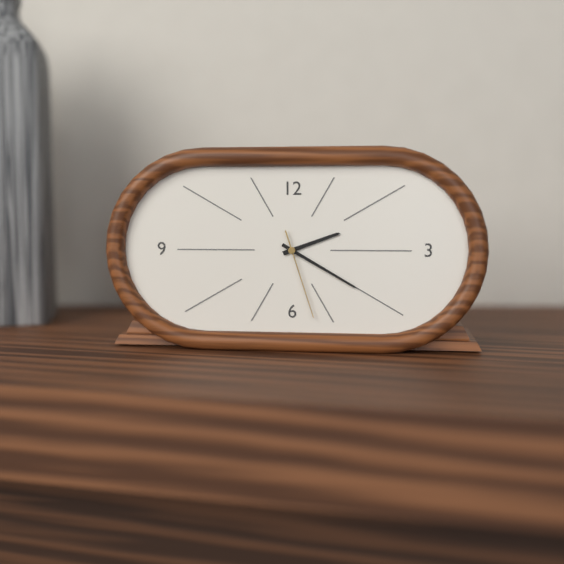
2:20:27
